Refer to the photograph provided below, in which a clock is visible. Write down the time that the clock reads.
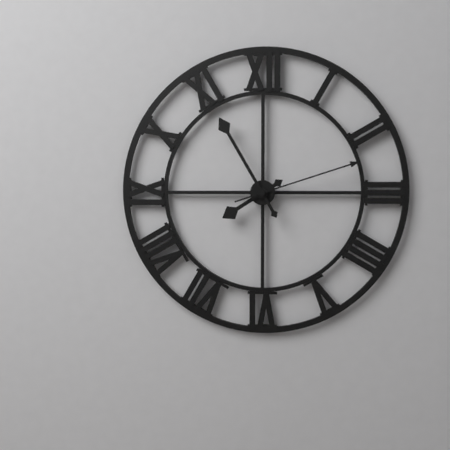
7:55:12
